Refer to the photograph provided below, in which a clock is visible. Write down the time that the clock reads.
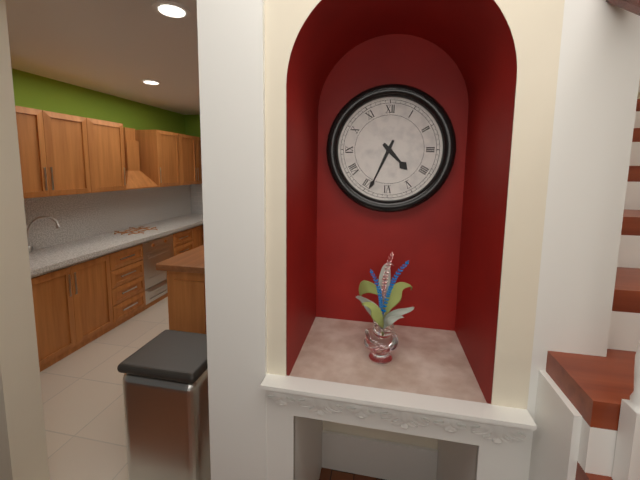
4:34
